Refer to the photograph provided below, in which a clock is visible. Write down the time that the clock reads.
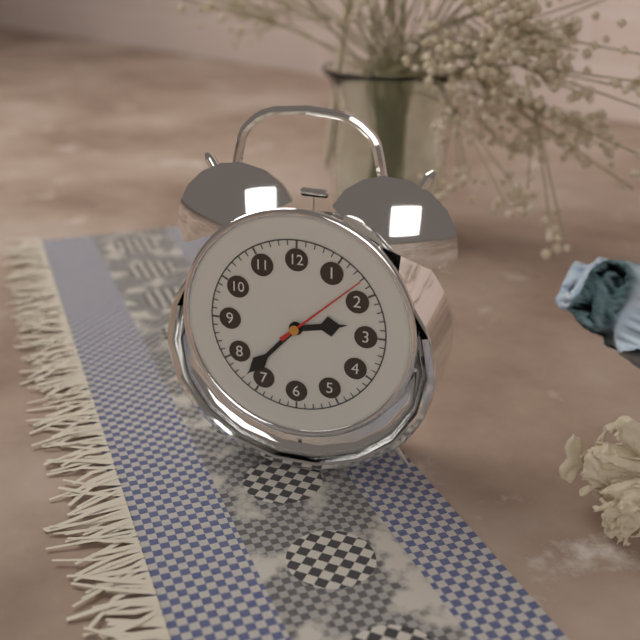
2:37:08
